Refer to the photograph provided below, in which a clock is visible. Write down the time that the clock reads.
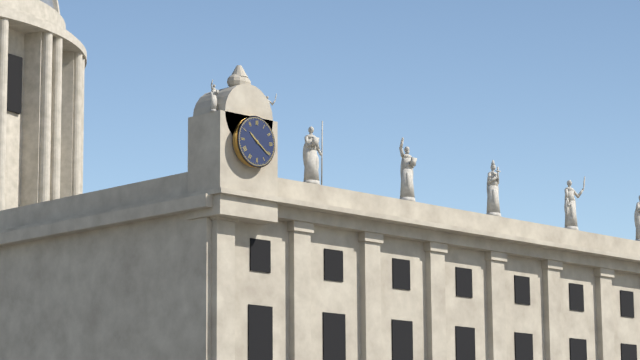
10:21
